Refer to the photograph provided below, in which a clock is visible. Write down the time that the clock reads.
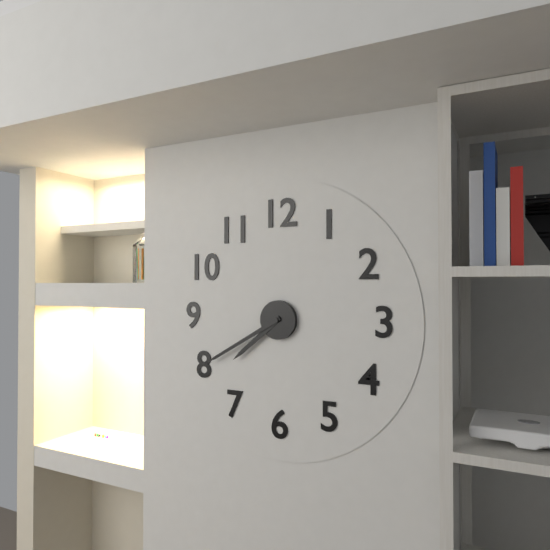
7:40
